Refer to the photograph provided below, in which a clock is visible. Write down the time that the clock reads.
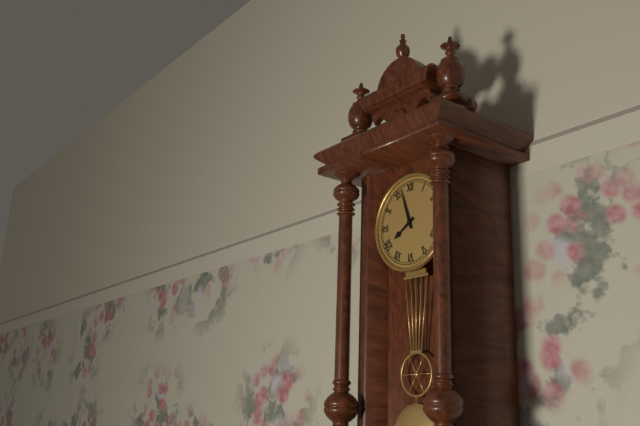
7:57
